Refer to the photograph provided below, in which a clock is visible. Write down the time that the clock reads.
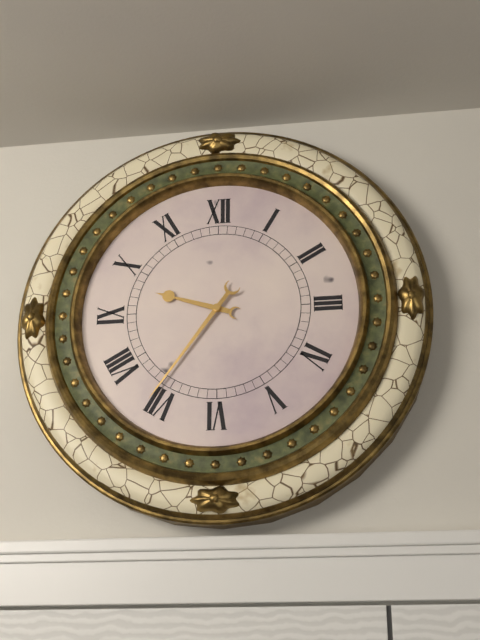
9:36
